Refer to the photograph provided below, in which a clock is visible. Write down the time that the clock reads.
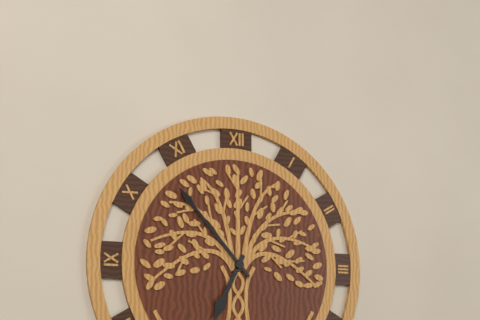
6:53
